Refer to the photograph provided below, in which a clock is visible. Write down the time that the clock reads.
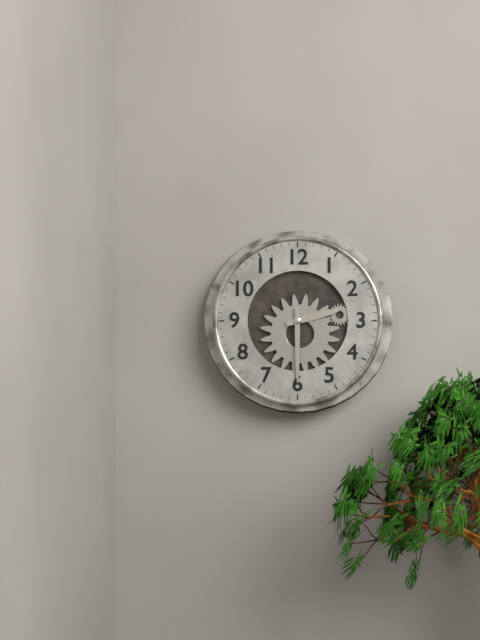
2:30
